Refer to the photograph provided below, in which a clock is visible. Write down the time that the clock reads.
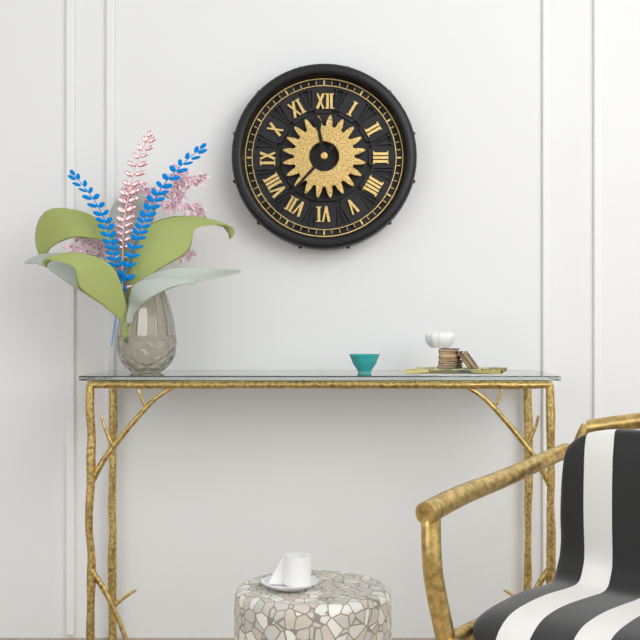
11:37
